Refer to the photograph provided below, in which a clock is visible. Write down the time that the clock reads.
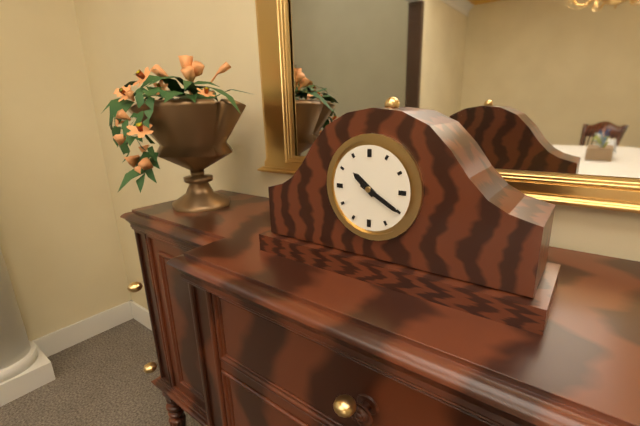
10:20
